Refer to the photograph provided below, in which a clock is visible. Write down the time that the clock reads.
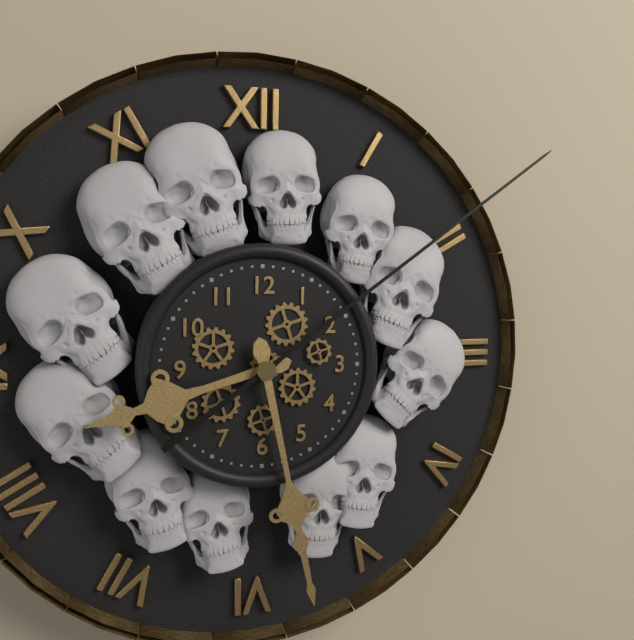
8:28:09
